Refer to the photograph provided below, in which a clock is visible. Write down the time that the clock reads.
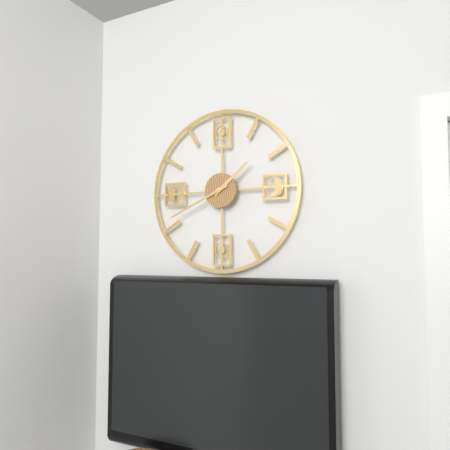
1:41
